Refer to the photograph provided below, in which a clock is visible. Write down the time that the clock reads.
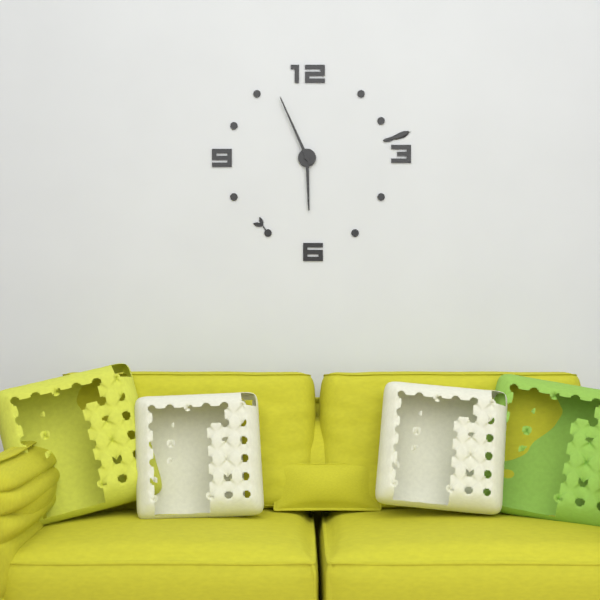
5:56
